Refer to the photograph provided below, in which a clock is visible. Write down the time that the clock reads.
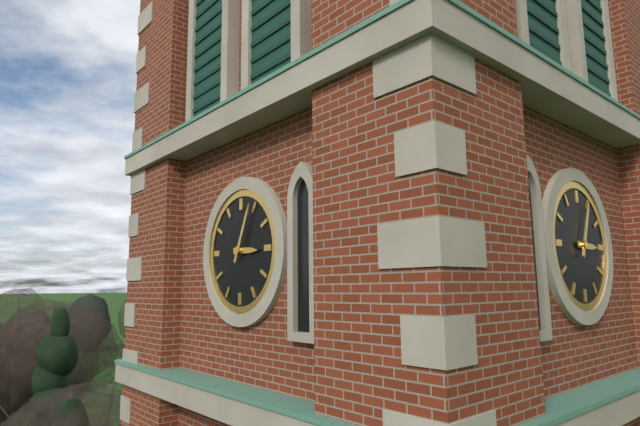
3:04
